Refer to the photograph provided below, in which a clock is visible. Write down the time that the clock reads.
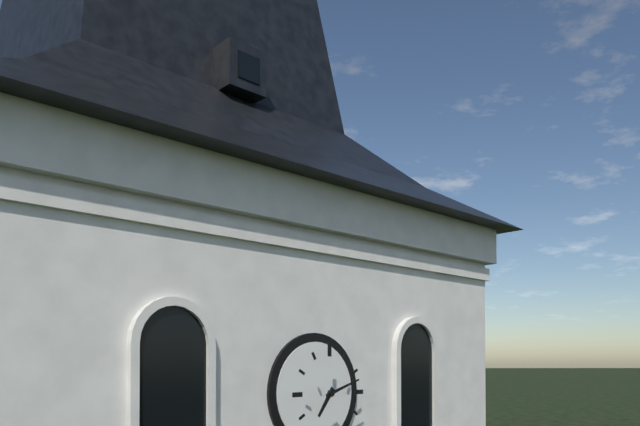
7:12
